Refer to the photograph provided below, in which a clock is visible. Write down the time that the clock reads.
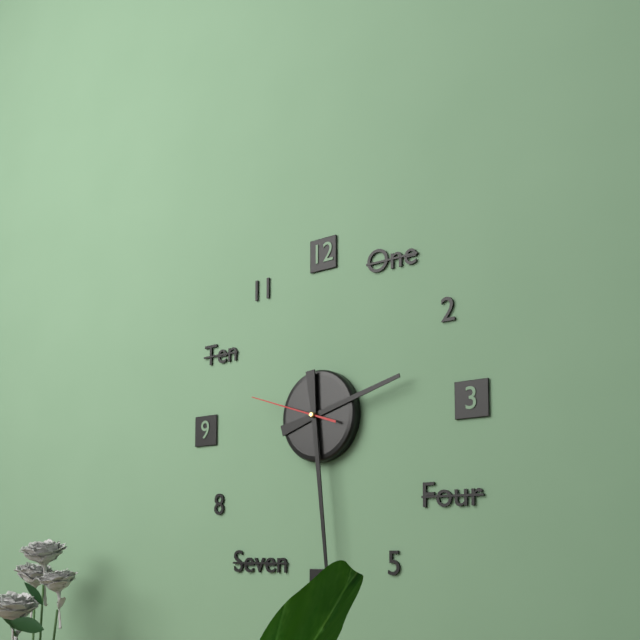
2:29:48
